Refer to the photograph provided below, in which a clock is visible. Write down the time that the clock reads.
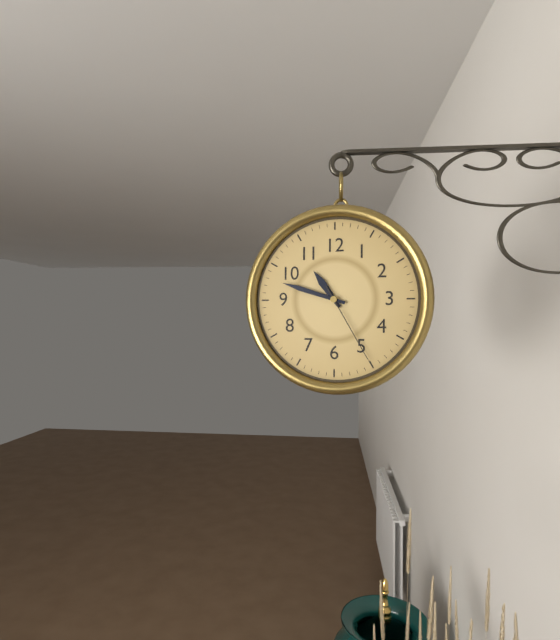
10:48:25
